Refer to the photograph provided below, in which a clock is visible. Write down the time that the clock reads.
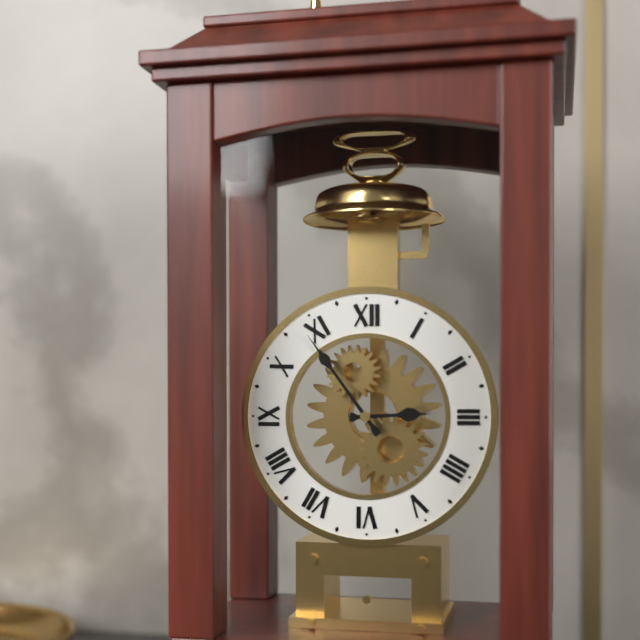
2:54
